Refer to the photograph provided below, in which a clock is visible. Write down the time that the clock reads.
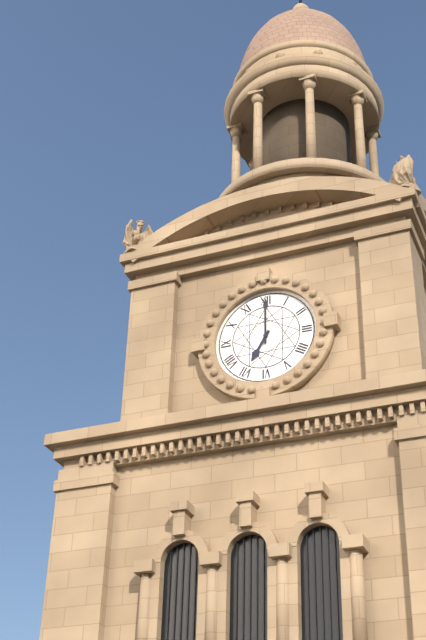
7:00
